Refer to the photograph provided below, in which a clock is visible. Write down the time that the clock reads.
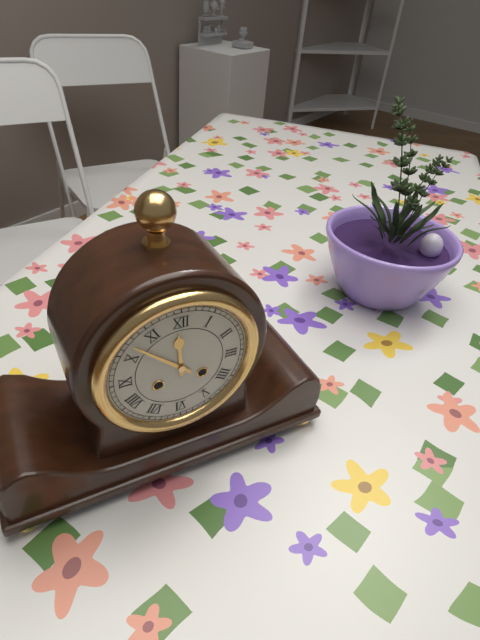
11:52
